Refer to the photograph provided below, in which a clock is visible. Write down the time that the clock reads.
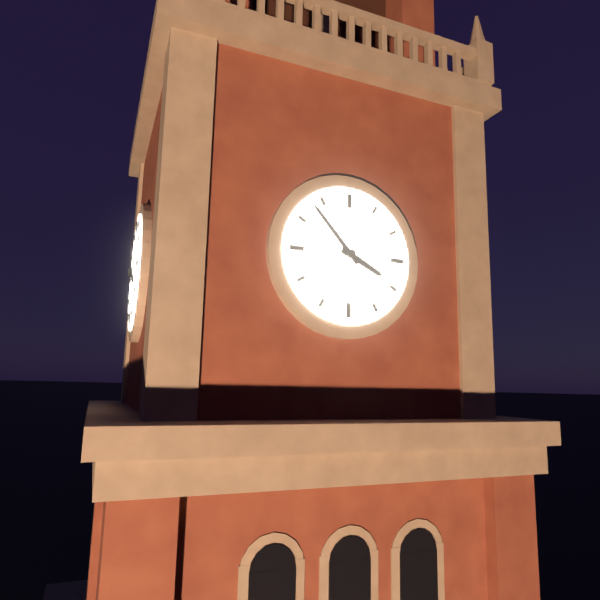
3:53
